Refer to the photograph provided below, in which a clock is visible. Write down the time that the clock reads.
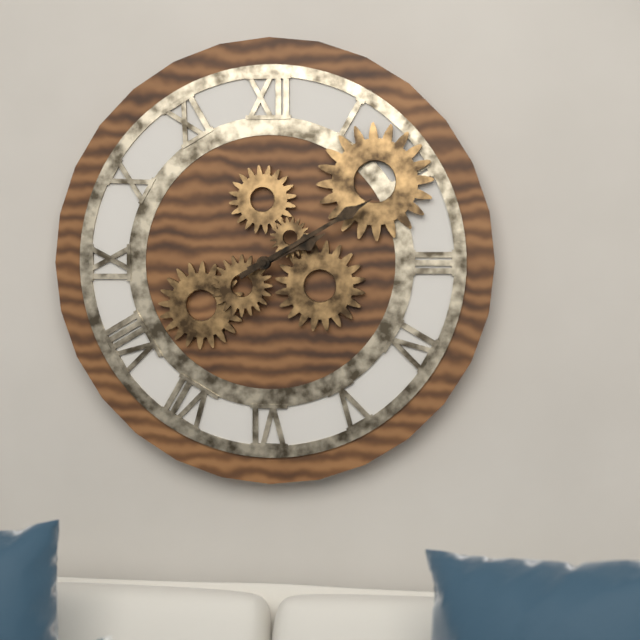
2:10
